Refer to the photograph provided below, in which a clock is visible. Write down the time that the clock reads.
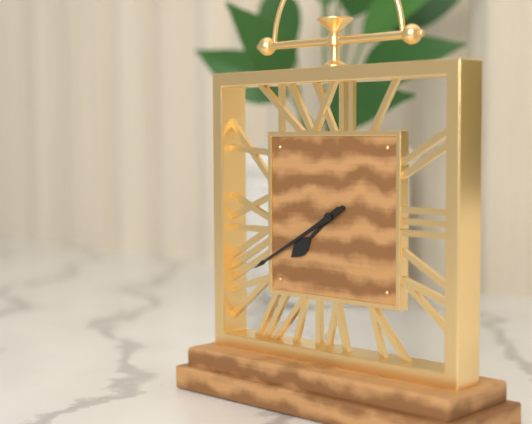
7:40
